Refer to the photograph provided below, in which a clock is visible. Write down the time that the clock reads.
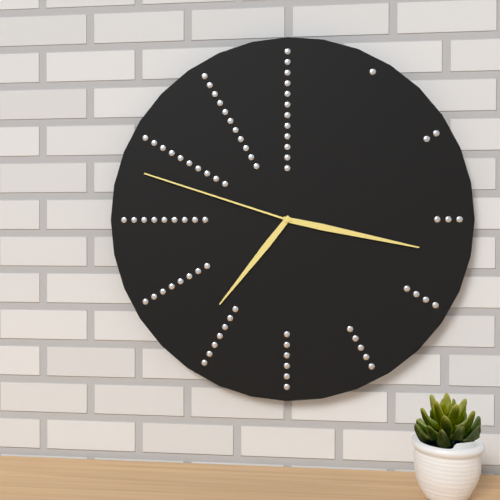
7:17:48
